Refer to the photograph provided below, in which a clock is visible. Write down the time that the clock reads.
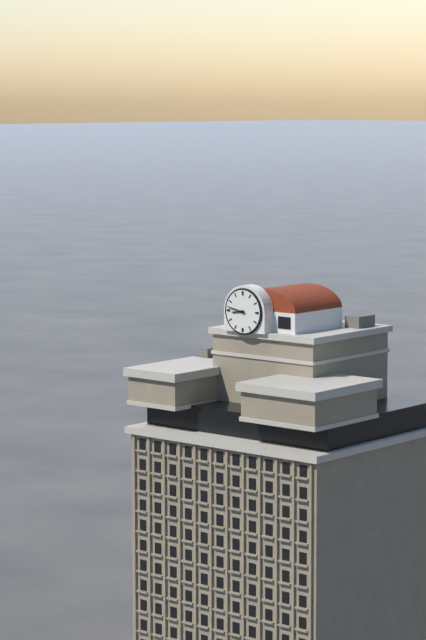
8:47
